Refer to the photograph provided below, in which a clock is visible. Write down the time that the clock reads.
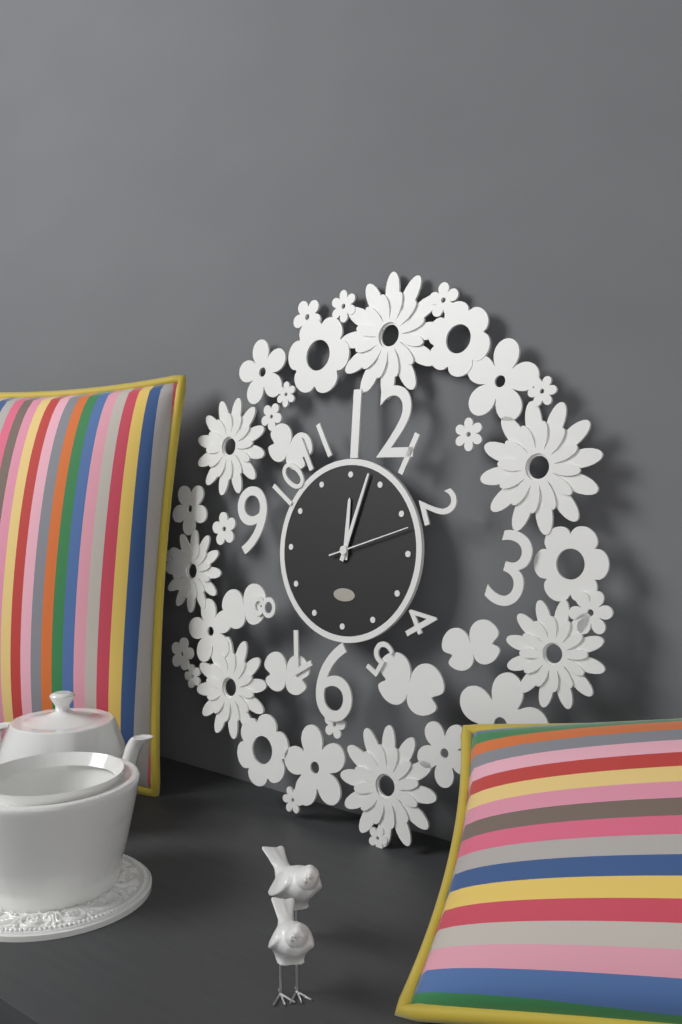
12:03:12
